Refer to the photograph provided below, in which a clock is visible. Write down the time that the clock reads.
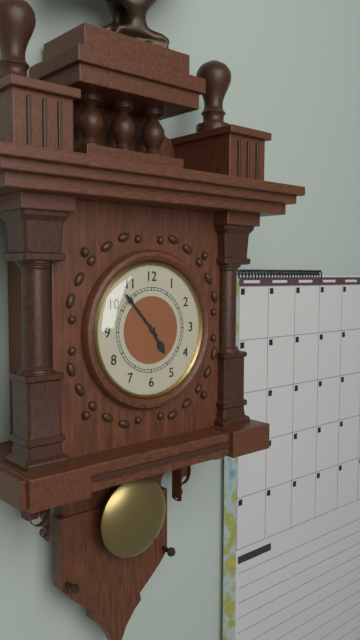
4:53
